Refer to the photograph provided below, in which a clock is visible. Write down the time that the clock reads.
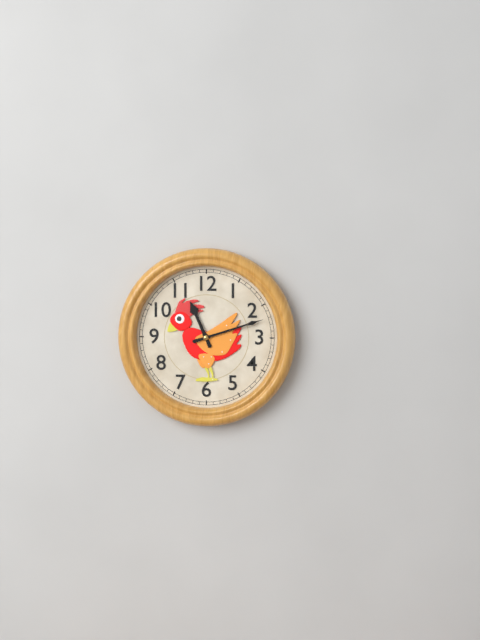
11:12
